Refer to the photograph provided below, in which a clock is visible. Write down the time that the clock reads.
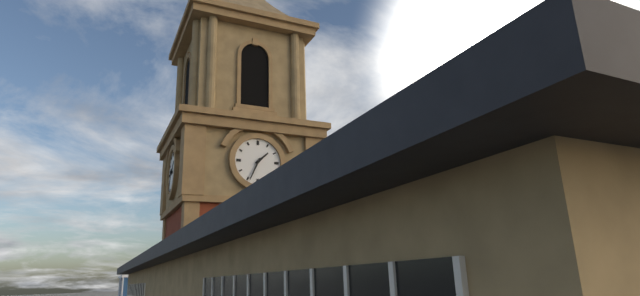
1:34
